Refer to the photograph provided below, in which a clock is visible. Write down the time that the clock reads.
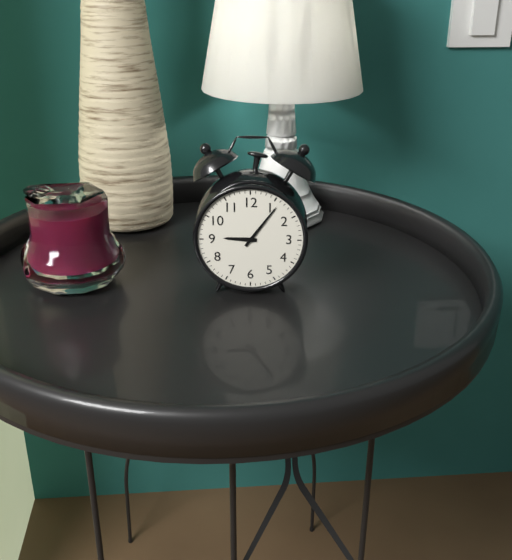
9:06
